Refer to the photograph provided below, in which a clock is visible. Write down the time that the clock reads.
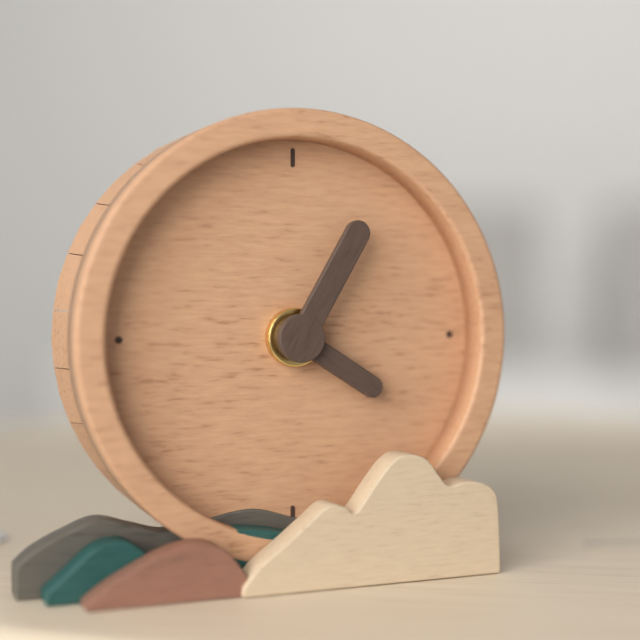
4:05
